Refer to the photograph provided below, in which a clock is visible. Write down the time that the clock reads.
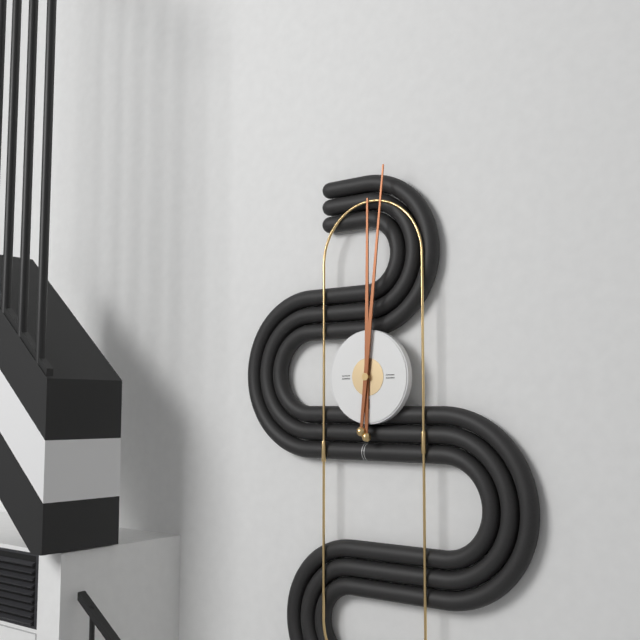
12:01
